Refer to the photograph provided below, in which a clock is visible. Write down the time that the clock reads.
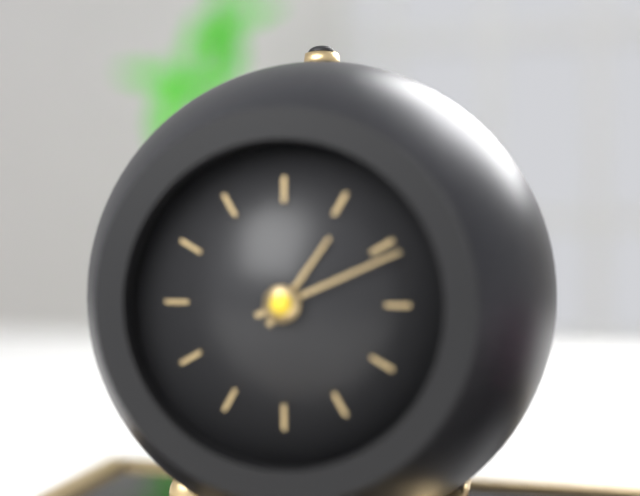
1:11
